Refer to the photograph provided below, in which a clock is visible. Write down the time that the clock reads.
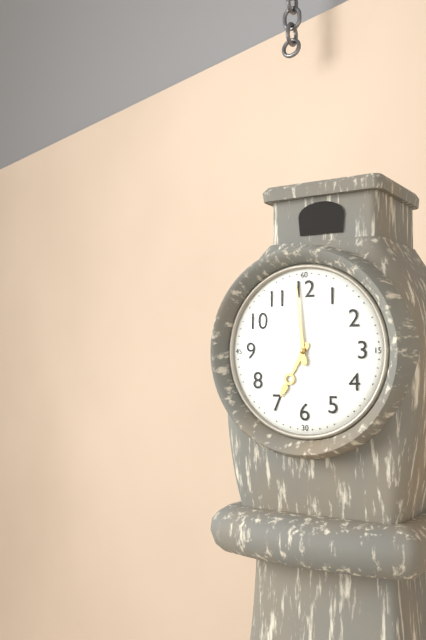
6:59
